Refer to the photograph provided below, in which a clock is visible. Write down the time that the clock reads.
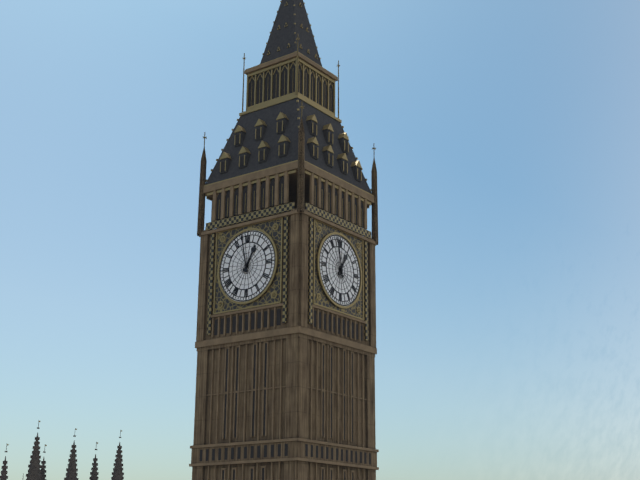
12:58
